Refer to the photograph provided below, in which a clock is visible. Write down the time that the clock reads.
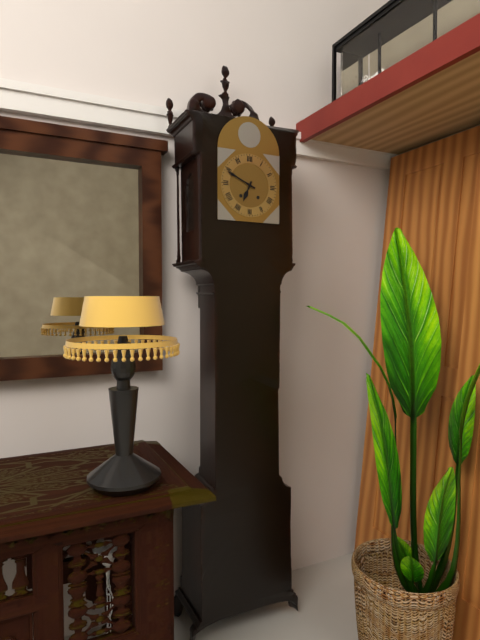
6:49
